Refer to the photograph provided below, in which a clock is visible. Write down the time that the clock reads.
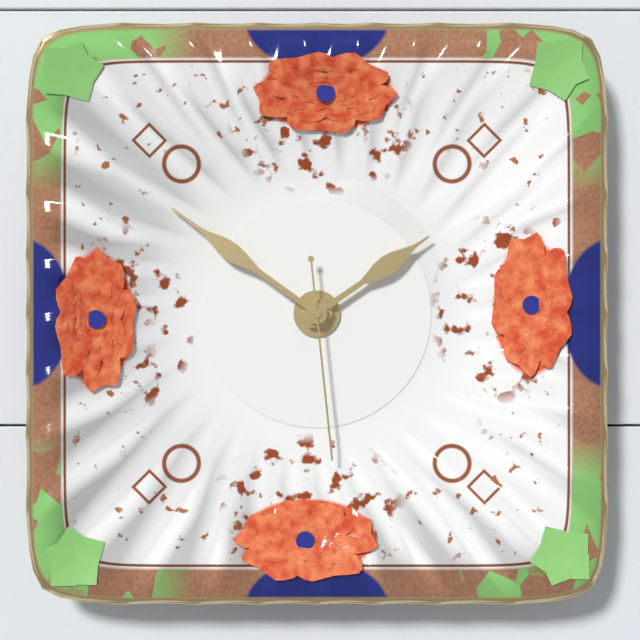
1:51:29
